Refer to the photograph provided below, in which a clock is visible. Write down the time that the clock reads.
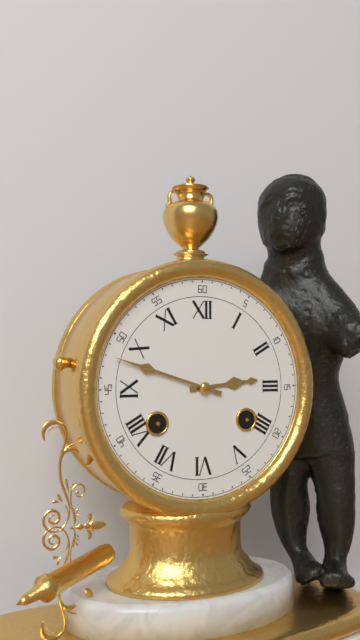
2:48
